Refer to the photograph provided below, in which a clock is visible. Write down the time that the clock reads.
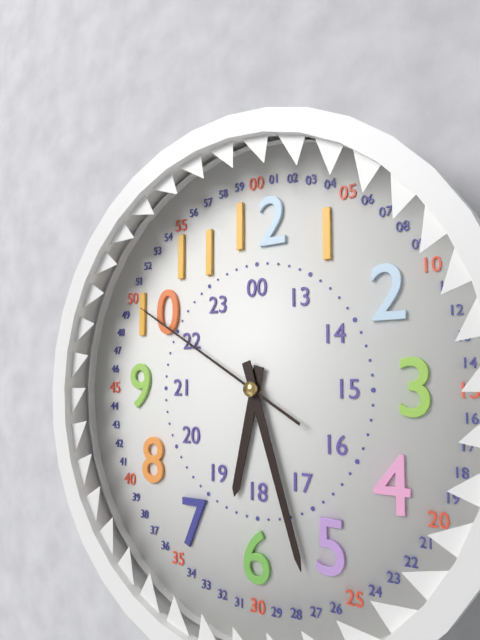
6:27:50
